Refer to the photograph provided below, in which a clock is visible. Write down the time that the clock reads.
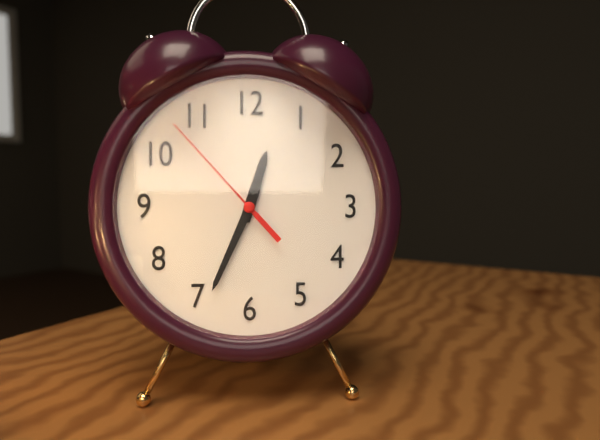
12:34:53
